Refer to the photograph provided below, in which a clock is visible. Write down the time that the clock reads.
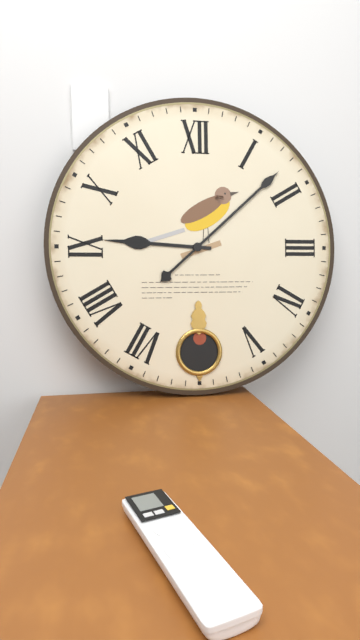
9:08
